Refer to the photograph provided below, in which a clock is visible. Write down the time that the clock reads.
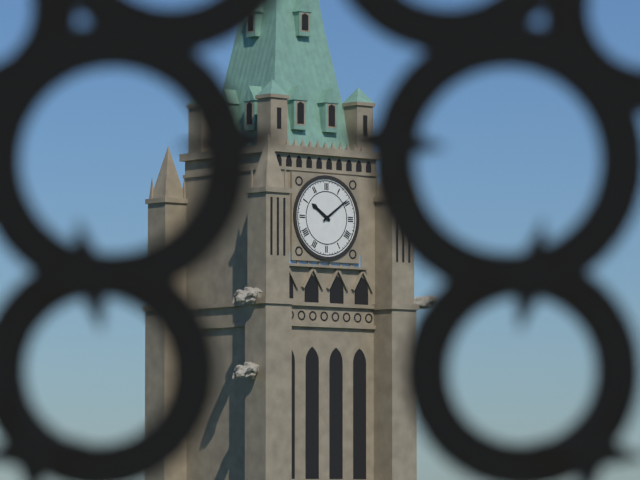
10:09
